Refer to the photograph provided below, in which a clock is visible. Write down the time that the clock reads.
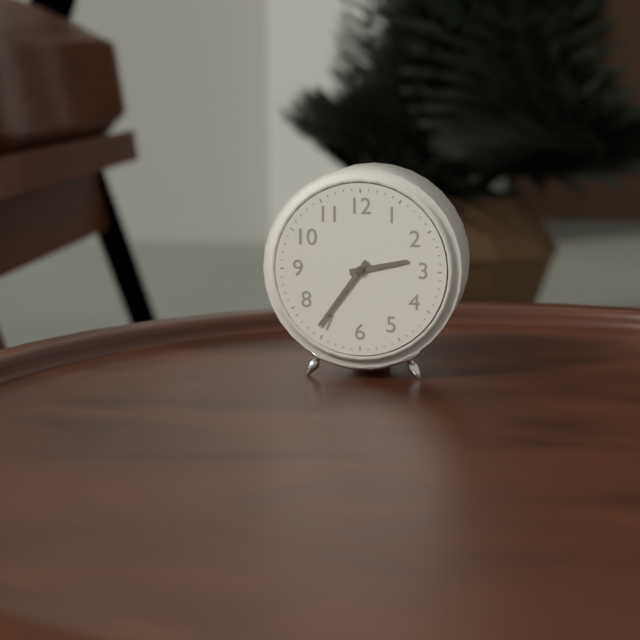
2:36
